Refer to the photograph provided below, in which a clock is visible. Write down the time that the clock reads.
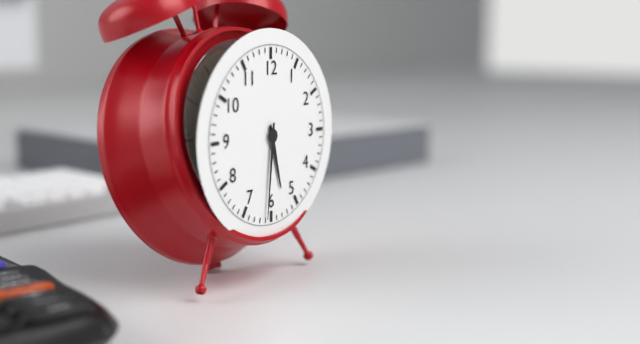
5:31
